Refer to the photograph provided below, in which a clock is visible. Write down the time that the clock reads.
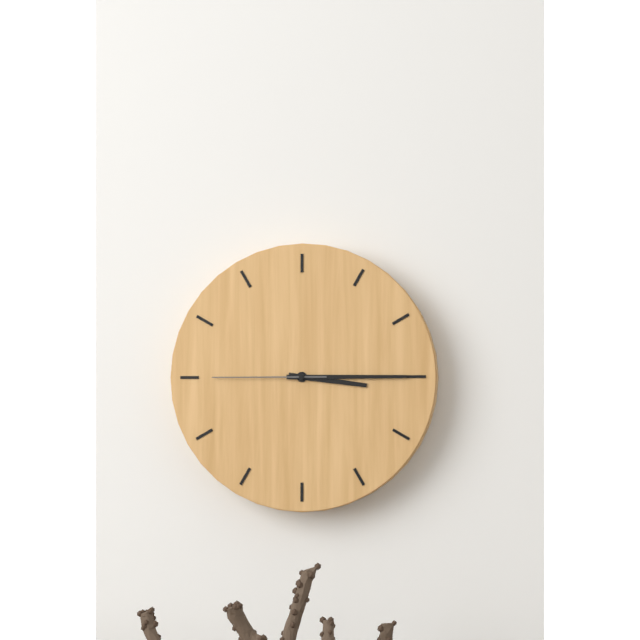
3:15:45
